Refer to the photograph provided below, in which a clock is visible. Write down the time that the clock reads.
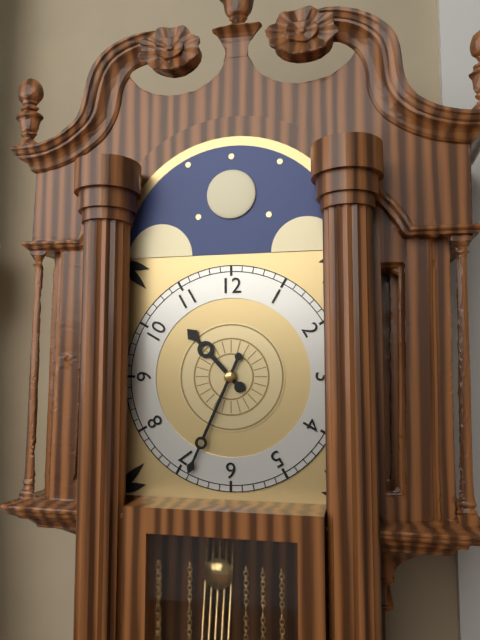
10:34
